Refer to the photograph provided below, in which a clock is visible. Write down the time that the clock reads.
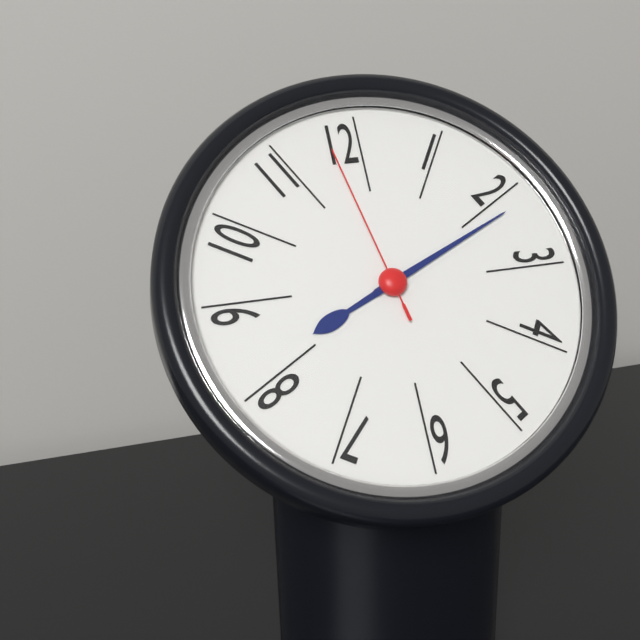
8:11:58
